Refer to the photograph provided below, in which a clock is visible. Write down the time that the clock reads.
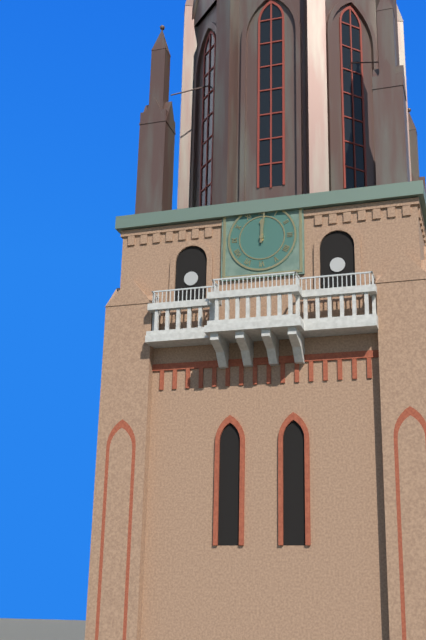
12:01
